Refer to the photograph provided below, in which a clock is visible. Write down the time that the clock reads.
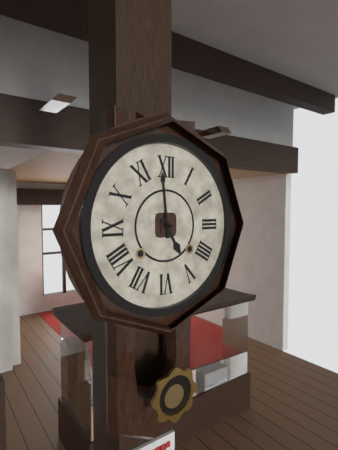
4:59
